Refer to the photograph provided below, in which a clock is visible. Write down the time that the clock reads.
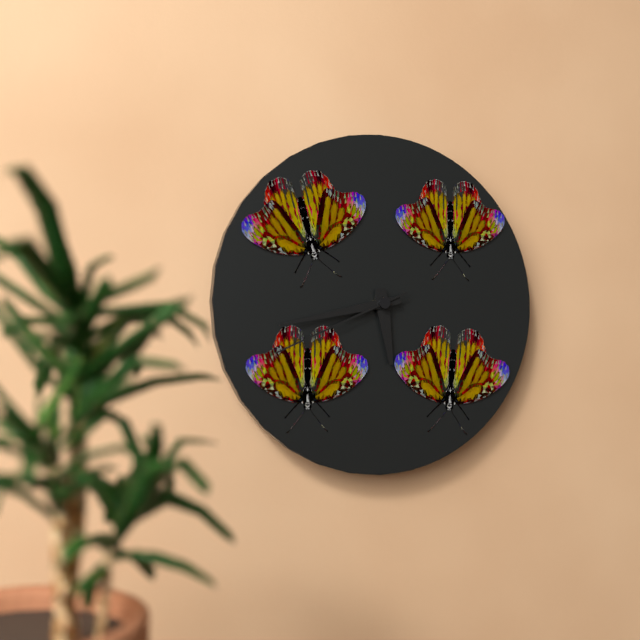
5:43:41
